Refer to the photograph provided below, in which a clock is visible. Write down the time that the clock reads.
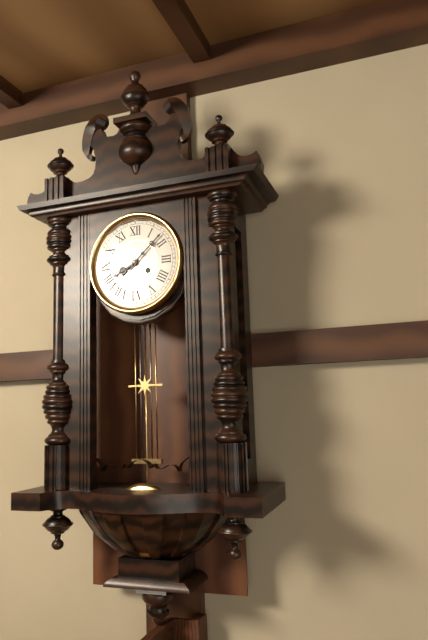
8:08
